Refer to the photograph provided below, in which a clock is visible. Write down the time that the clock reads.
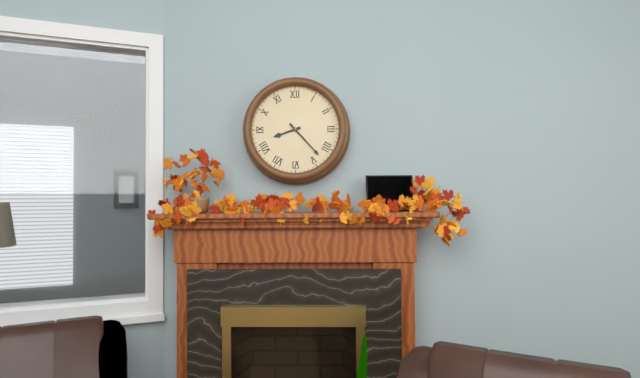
8:23
